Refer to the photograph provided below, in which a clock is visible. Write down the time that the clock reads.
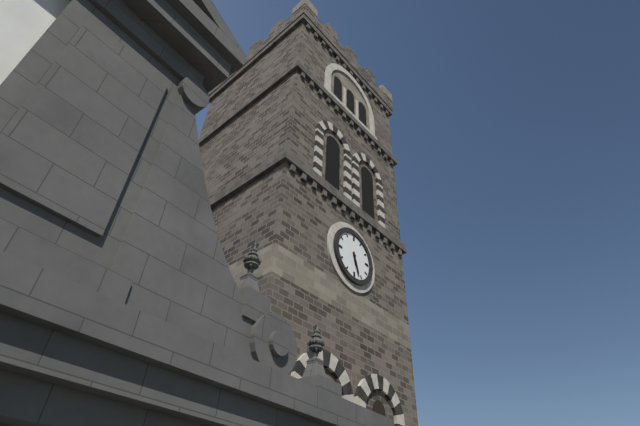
5:27
